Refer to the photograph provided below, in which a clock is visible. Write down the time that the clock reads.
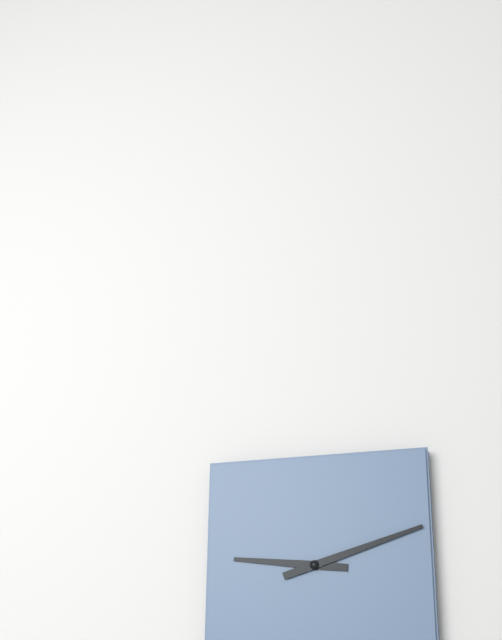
9:12
